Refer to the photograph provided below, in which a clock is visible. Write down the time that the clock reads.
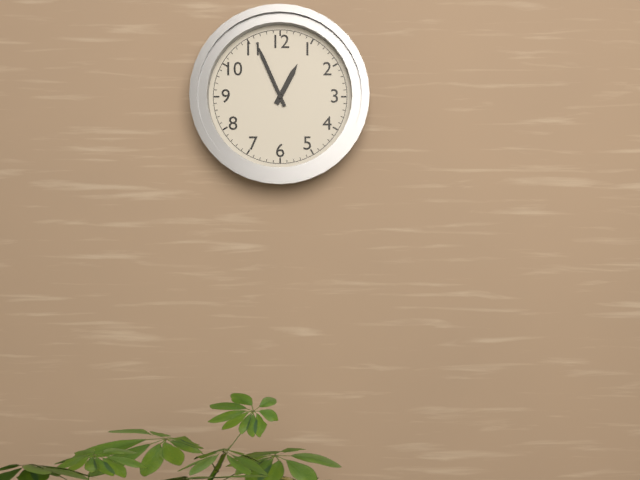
12:56
